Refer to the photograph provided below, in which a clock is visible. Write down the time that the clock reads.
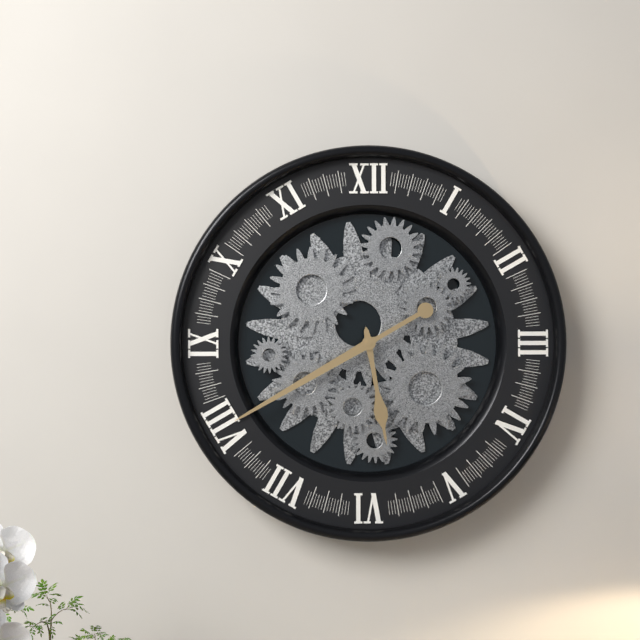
5:40
